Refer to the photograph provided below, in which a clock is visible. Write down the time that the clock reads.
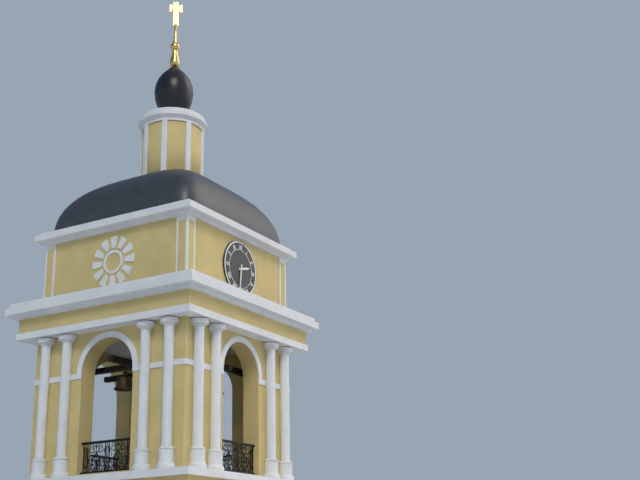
2:31
